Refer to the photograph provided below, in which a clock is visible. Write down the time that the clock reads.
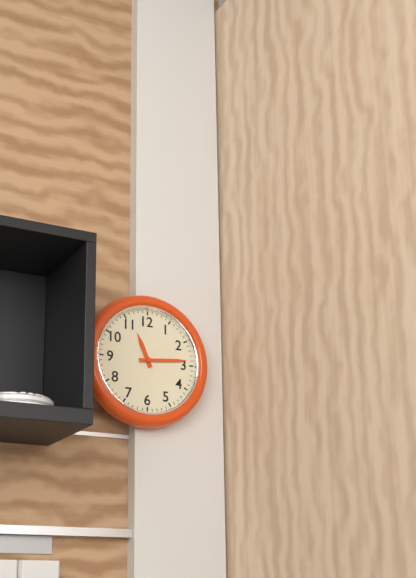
11:14
